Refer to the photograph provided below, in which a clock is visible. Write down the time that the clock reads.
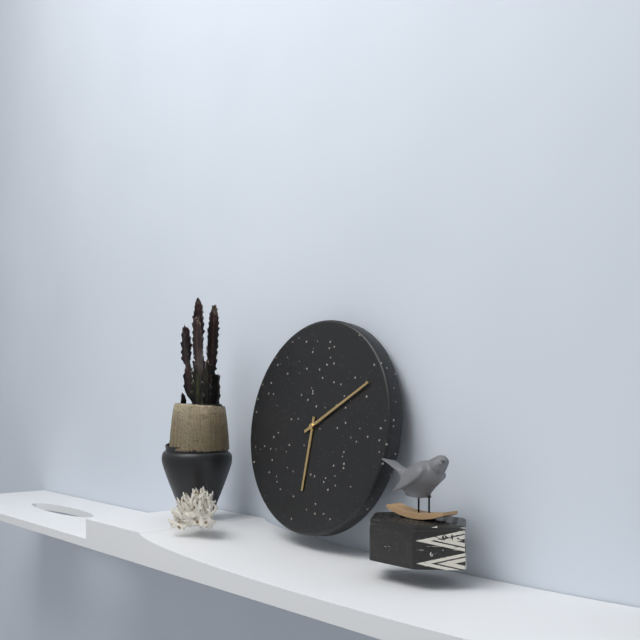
6:10
